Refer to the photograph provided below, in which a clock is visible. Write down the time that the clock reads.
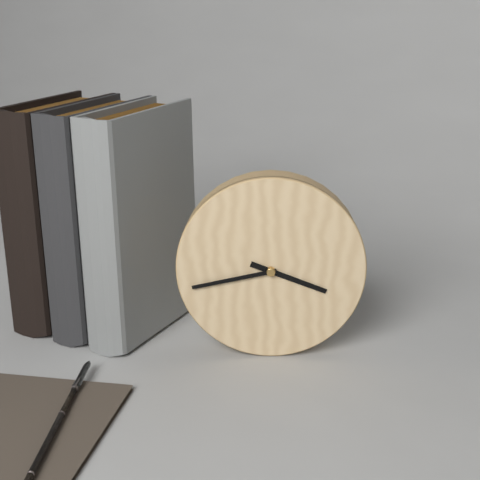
3:43
